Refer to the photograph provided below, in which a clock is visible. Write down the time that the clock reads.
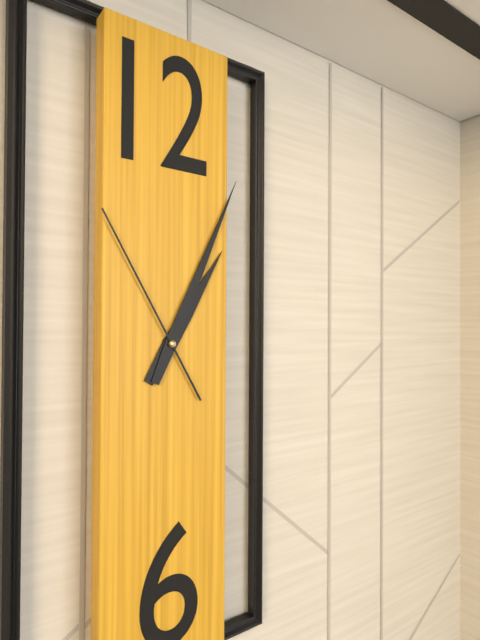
1:04:55
